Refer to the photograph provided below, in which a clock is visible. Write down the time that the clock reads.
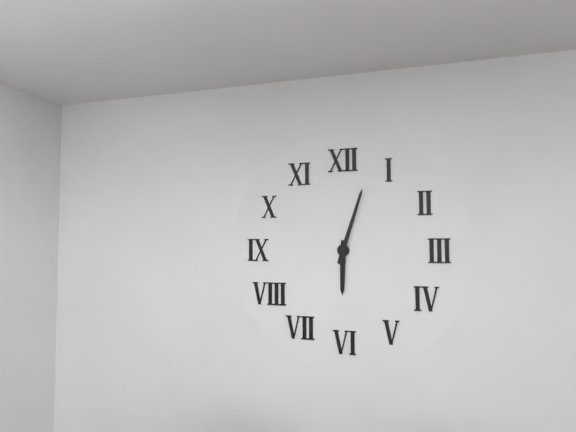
6:03
